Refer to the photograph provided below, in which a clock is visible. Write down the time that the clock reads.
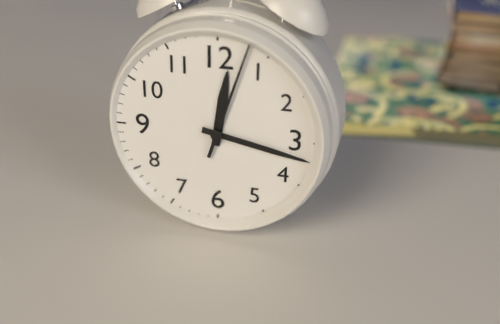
12:17:03
